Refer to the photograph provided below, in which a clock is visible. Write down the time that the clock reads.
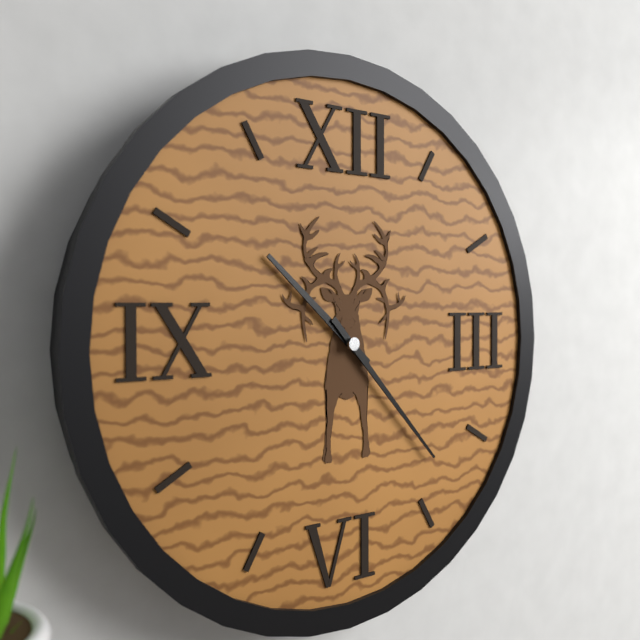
10:23
